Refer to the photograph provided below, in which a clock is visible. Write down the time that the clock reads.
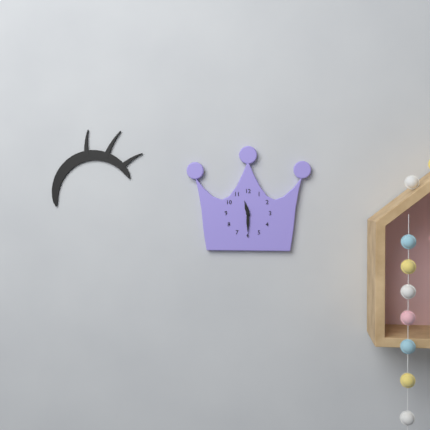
11:30
